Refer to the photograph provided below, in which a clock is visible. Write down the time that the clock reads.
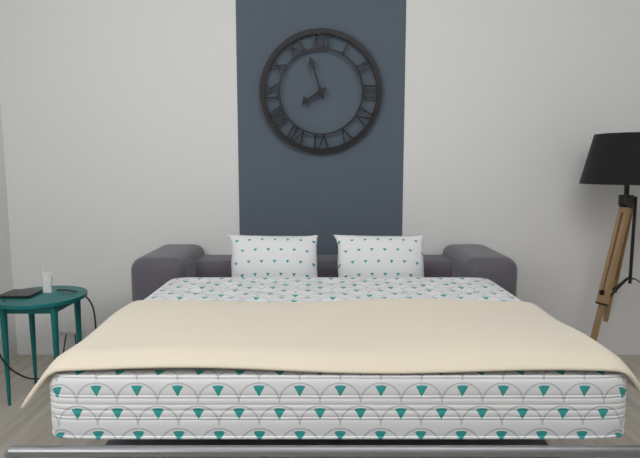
7:57
